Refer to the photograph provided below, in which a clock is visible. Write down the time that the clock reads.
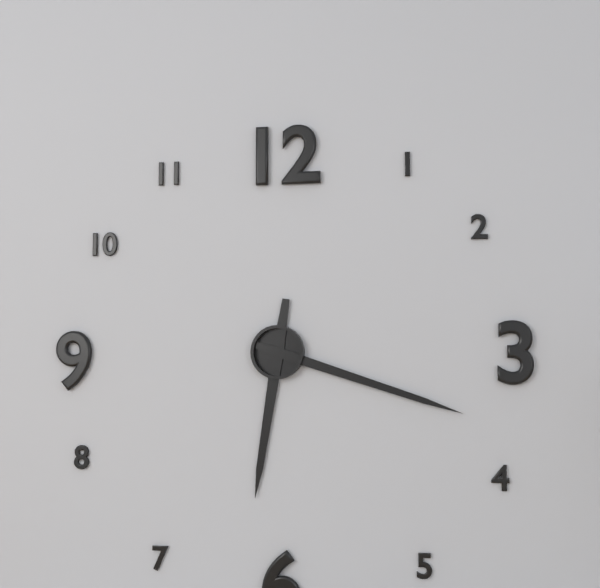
6:18
